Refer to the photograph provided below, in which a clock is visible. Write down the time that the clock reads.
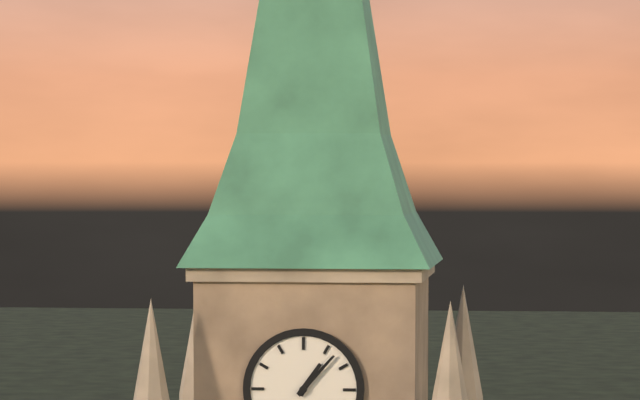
1:07
